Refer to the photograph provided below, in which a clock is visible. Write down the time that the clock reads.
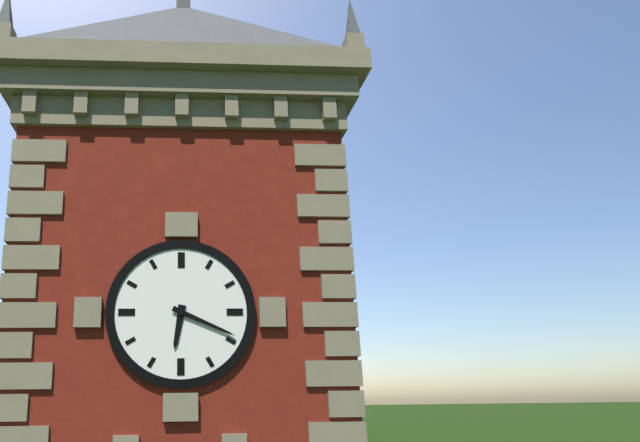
6:19
